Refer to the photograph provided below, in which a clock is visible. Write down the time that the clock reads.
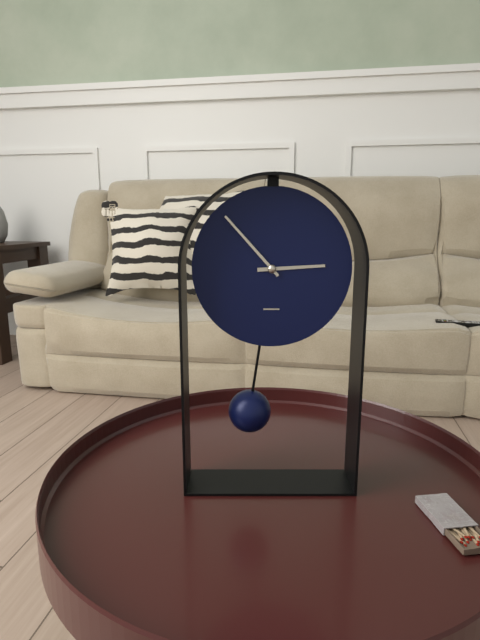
2:53
